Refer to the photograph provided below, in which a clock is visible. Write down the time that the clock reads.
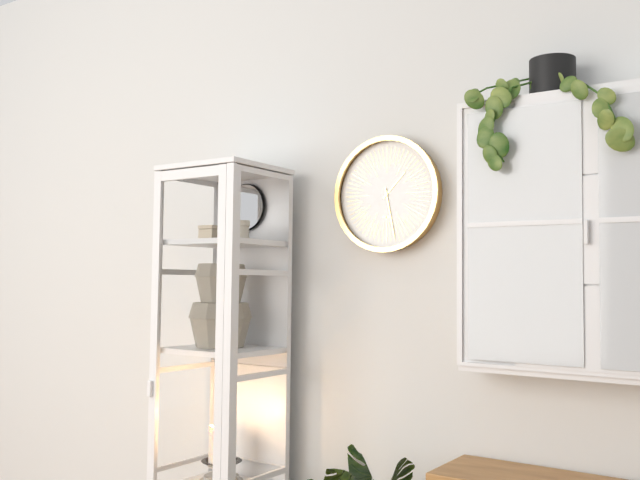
1:28
